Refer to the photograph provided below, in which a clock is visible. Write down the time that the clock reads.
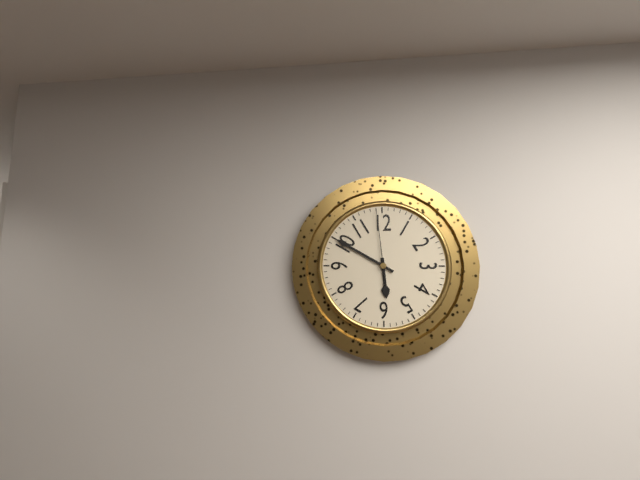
5:50:59
